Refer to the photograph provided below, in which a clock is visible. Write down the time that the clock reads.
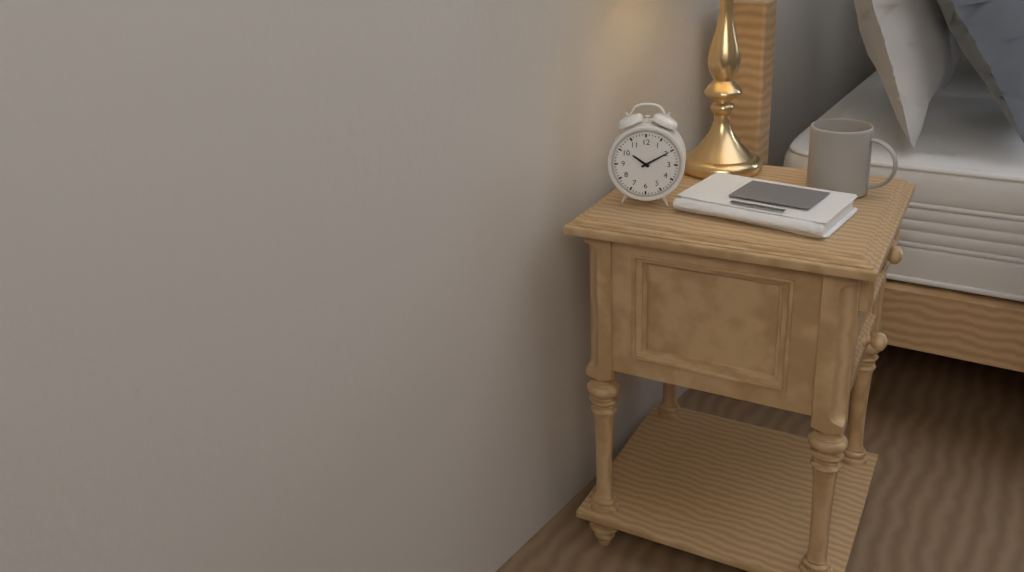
10:10
